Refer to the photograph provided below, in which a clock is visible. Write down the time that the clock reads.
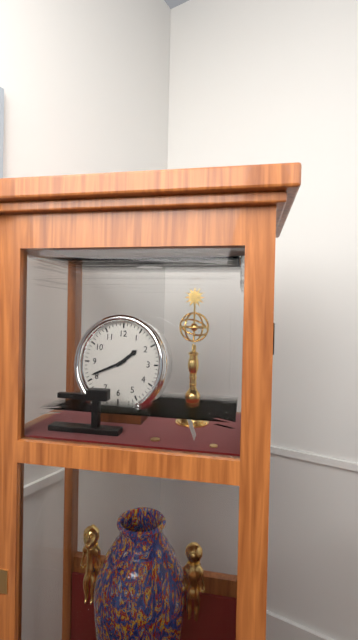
1:41
